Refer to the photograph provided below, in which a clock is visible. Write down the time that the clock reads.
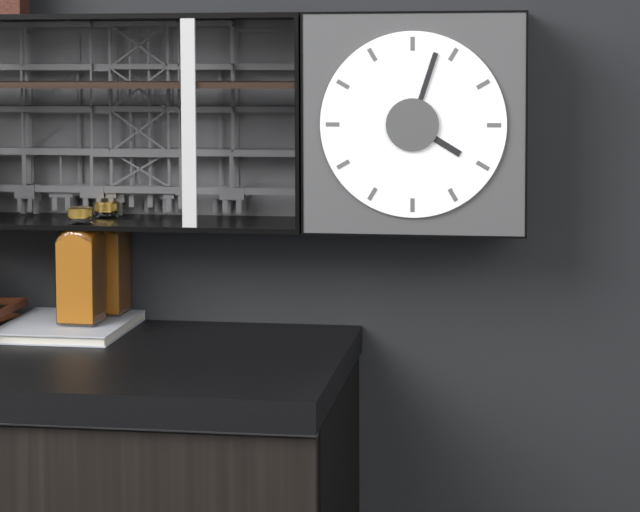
4:03
